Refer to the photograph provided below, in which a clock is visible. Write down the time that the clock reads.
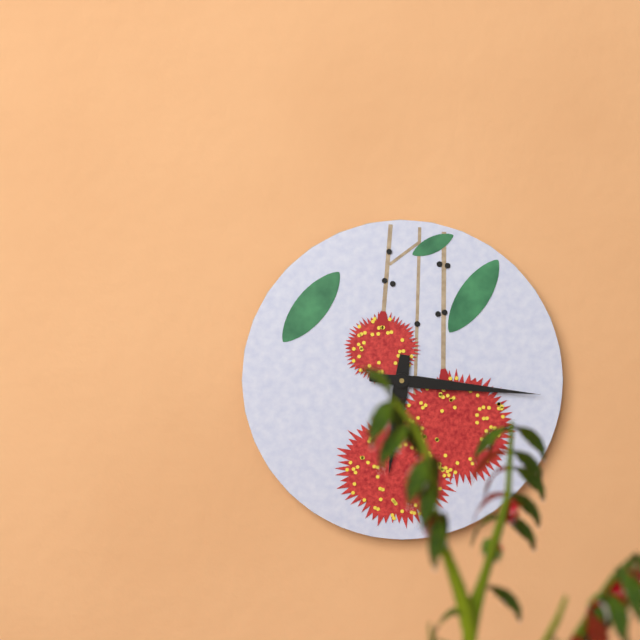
6:16
